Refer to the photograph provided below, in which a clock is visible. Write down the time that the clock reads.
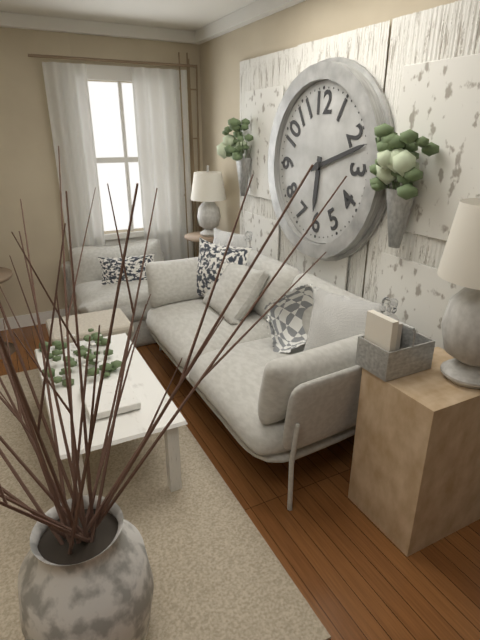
6:12
